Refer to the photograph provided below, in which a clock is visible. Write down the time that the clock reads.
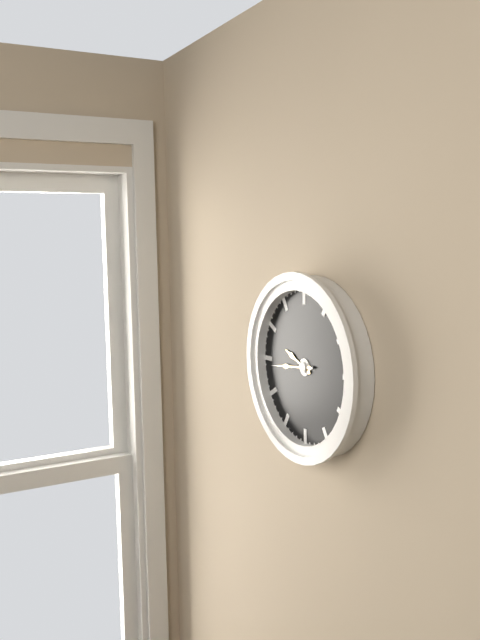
9:44:44
